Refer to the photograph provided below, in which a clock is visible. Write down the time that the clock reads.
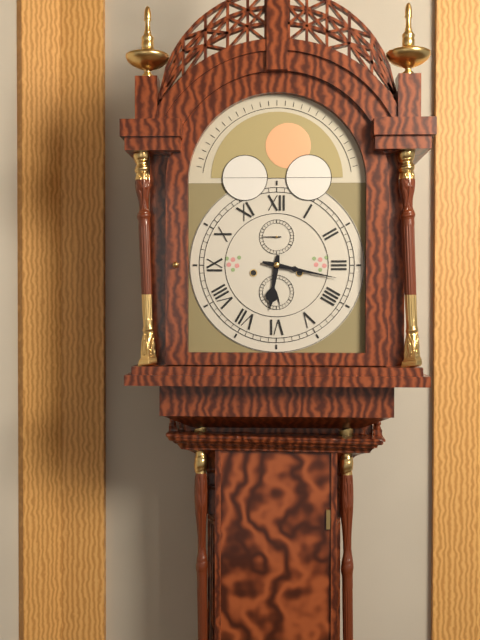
6:17
